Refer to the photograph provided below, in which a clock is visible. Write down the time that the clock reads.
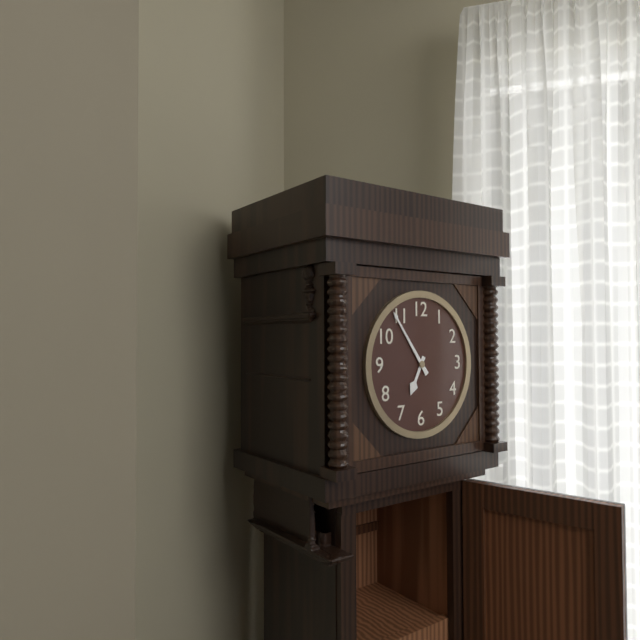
6:54
